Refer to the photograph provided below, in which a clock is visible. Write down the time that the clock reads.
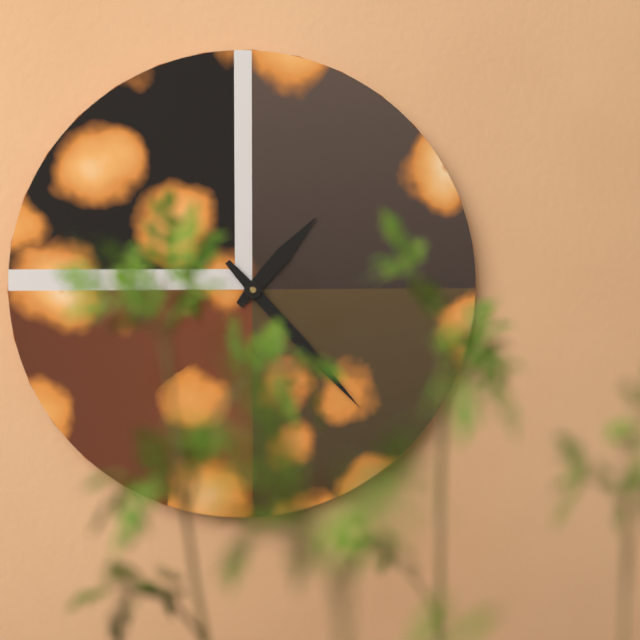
1:23
